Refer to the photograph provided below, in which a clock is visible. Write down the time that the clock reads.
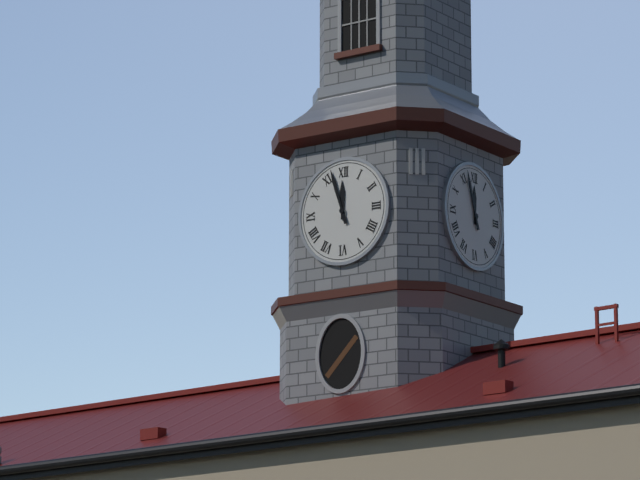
11:57
